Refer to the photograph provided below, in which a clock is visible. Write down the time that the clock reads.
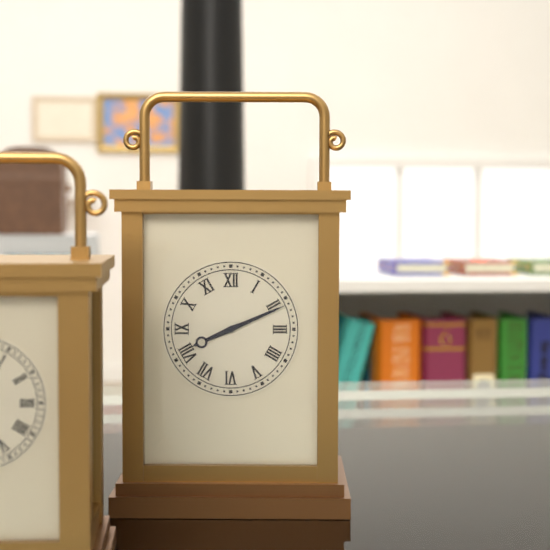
8:11
